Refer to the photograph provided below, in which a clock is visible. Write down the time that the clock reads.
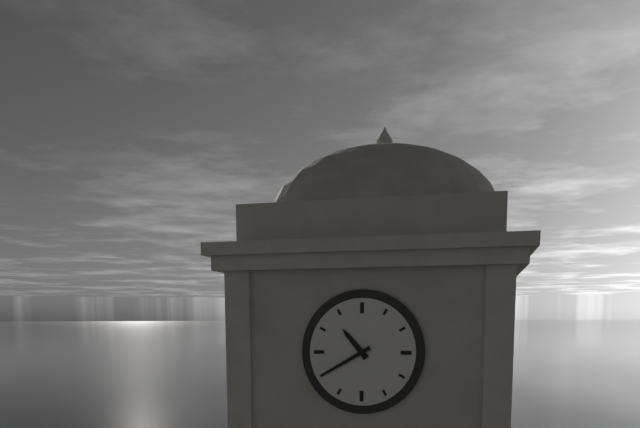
10:40
